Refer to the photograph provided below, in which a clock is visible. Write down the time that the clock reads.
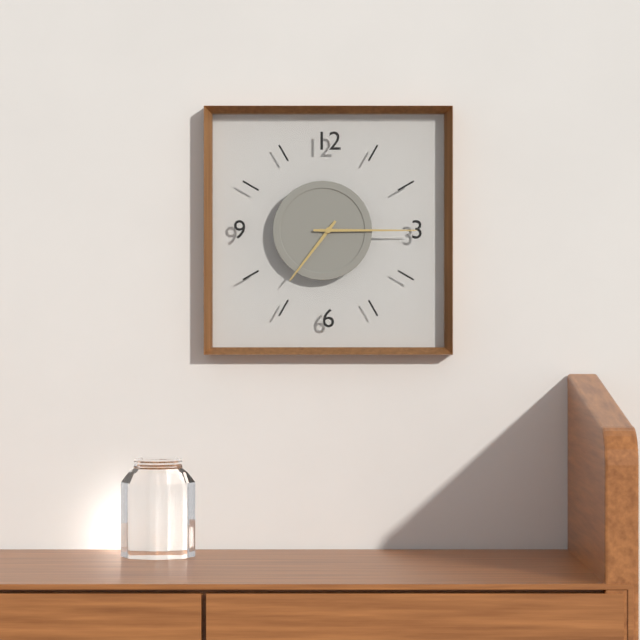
7:15
